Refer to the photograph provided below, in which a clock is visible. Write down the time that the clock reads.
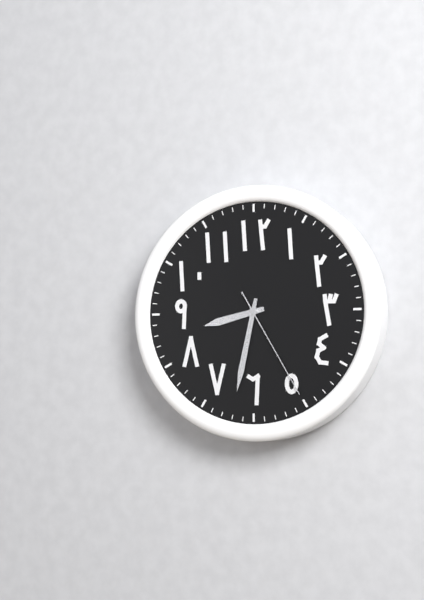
8:32:25
